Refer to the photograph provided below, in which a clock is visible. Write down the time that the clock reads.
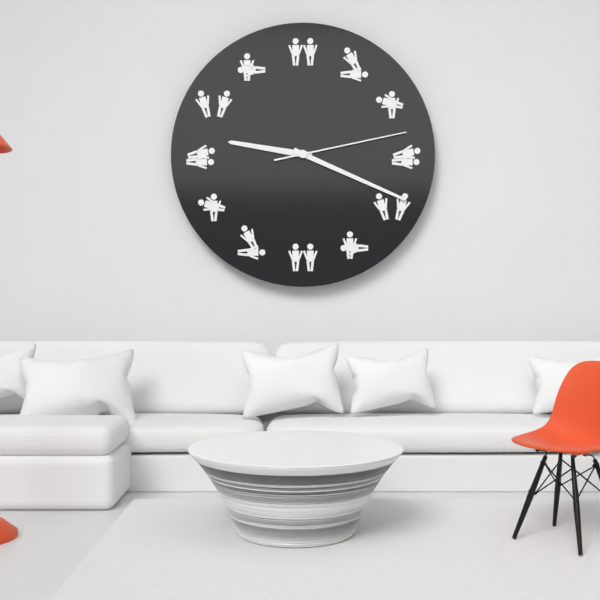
9:19:13
